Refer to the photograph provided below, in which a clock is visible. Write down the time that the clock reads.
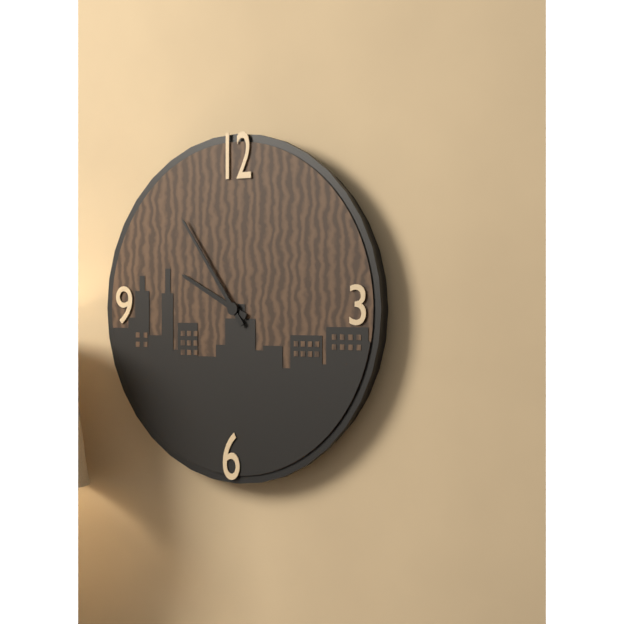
9:54
